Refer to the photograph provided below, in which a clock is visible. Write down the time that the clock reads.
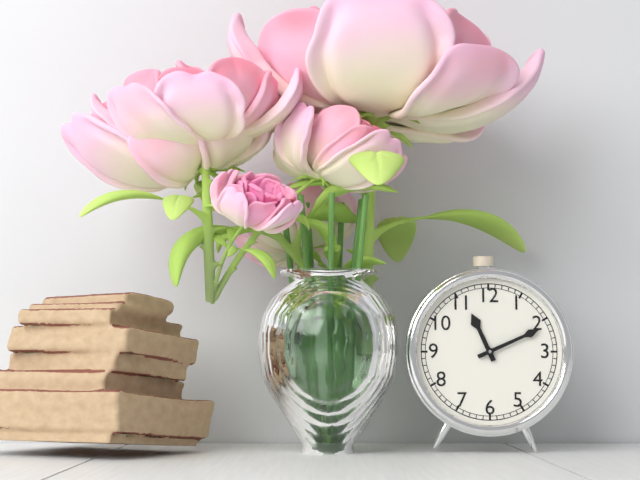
11:11
